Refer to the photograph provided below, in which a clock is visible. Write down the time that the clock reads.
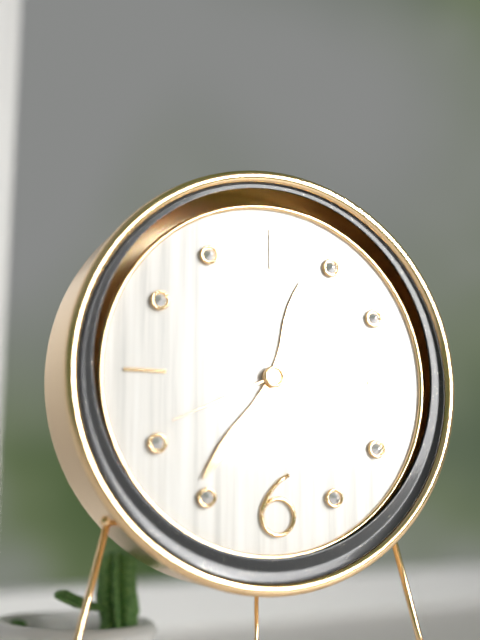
12:36:41
